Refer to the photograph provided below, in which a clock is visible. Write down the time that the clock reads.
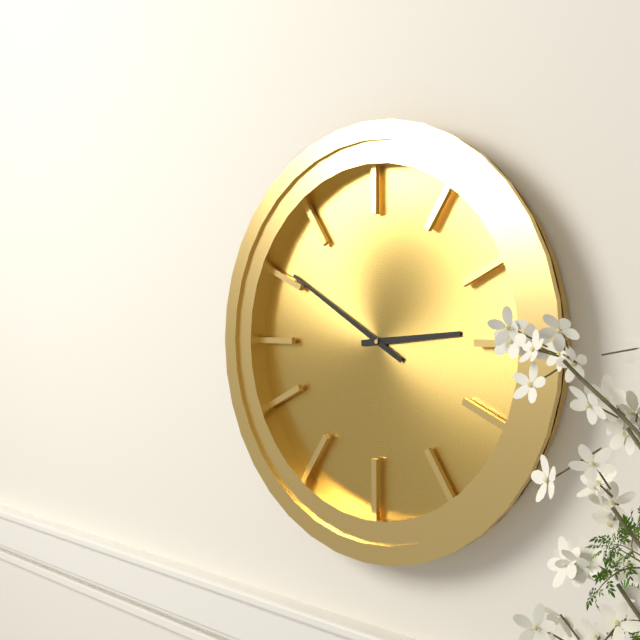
2:50
